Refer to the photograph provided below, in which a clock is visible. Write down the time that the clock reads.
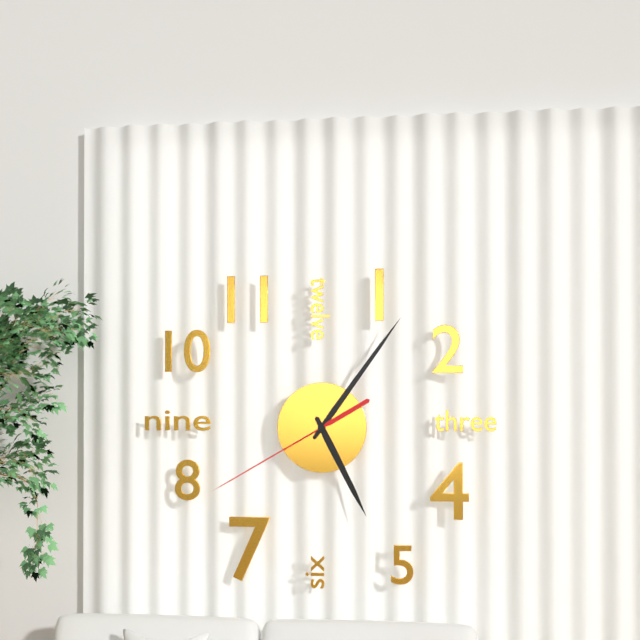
5:06:40
